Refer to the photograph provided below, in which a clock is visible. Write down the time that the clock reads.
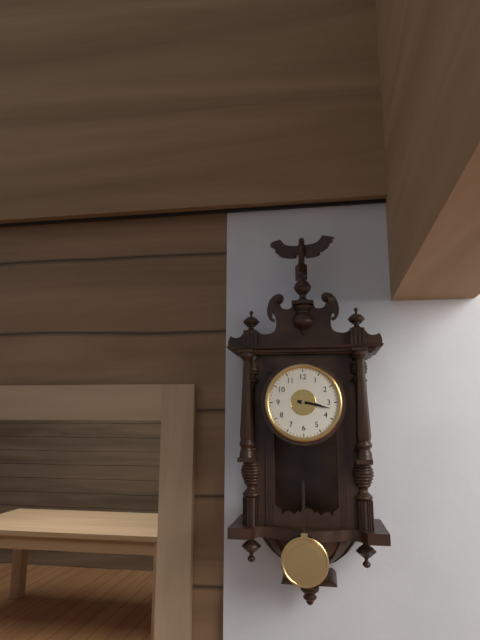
3:17
